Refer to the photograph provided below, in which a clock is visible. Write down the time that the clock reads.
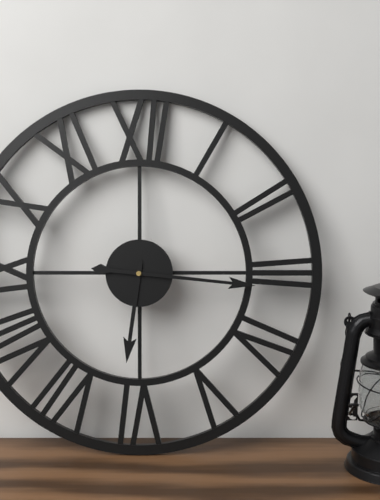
6:16
